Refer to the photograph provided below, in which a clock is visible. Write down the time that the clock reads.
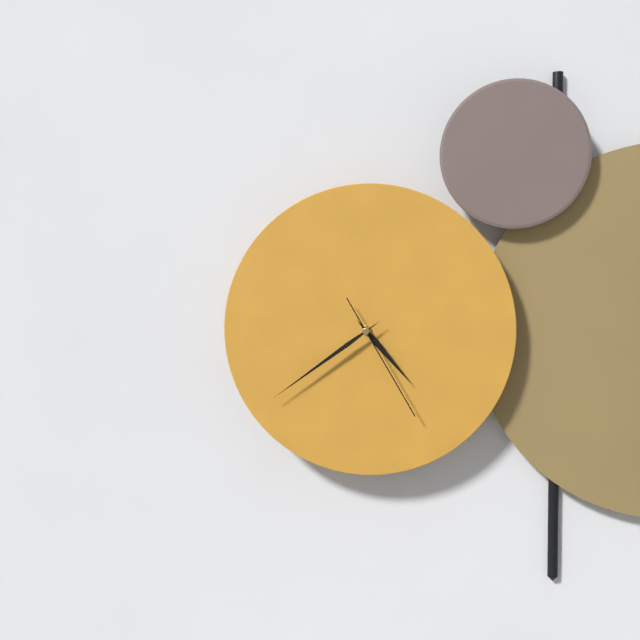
4:39:25
